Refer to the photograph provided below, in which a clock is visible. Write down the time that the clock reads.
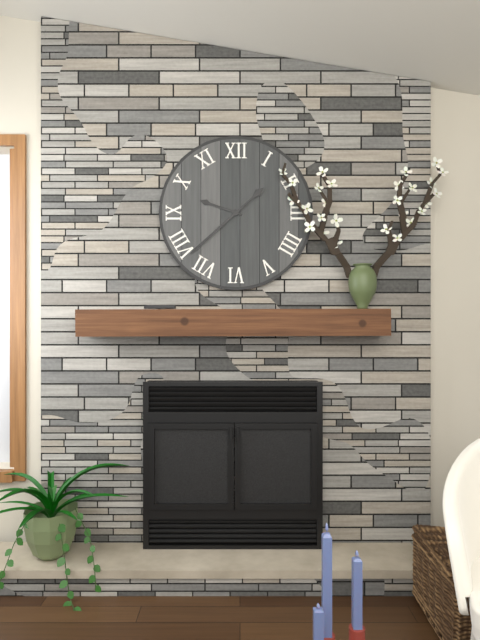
9:38
